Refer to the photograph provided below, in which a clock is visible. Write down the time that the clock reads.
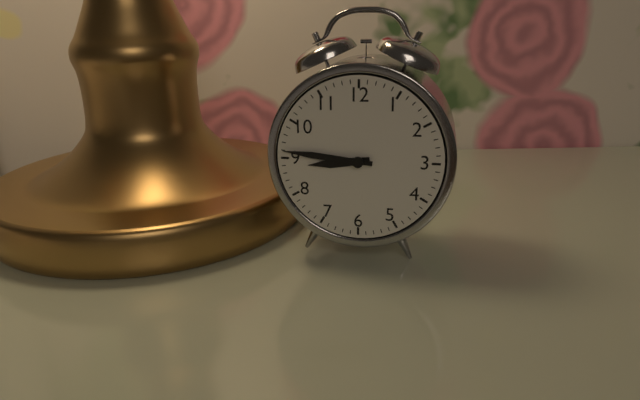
8:46
